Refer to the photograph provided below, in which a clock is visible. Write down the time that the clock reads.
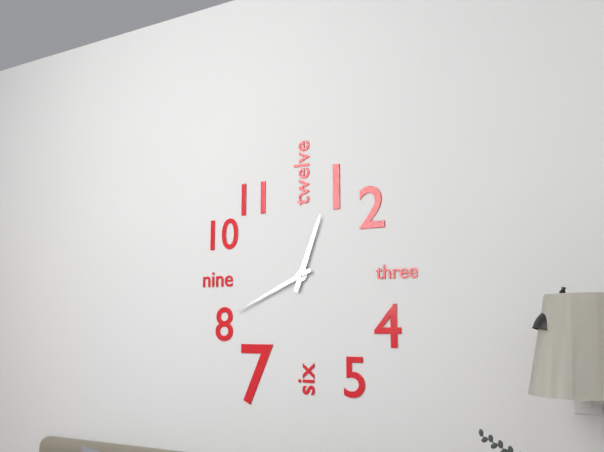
12:41
